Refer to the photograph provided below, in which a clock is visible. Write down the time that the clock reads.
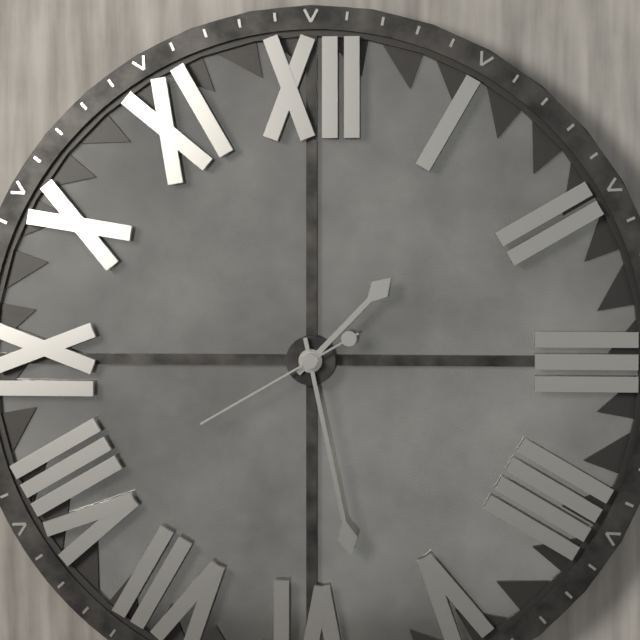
1:28:40
